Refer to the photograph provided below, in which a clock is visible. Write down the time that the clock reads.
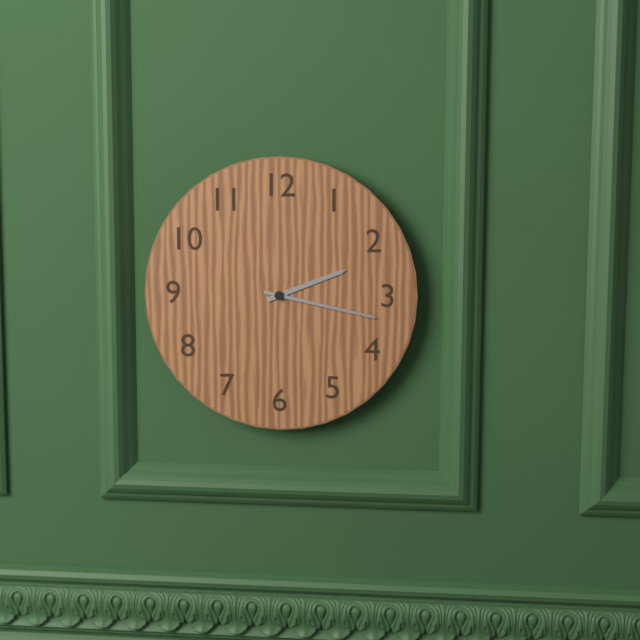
2:17
